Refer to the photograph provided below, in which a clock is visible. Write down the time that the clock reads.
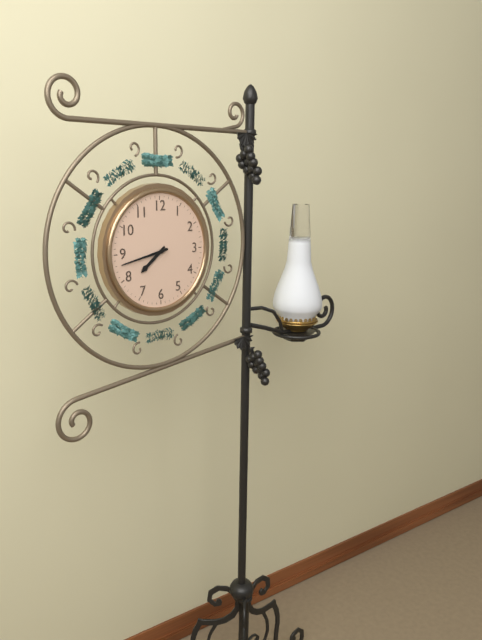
7:43
